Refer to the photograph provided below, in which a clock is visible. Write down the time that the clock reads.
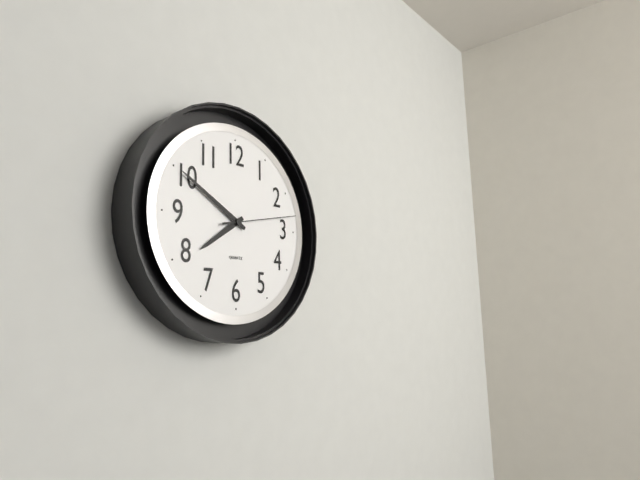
7:50:13
